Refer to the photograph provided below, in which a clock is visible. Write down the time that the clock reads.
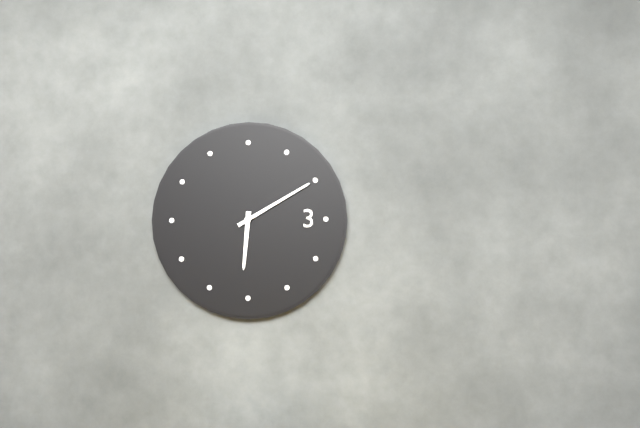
6:10
